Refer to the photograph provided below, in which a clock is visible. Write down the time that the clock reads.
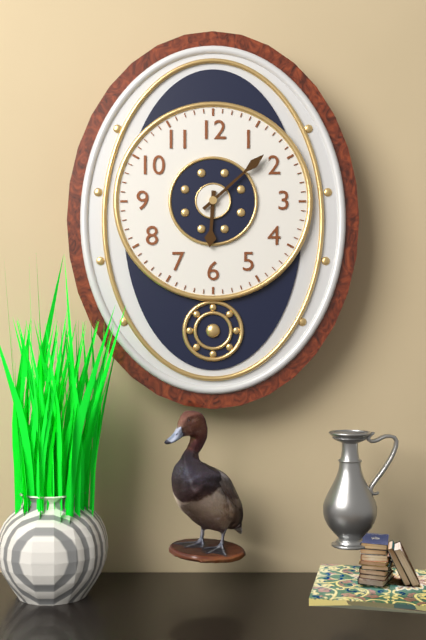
6:08
